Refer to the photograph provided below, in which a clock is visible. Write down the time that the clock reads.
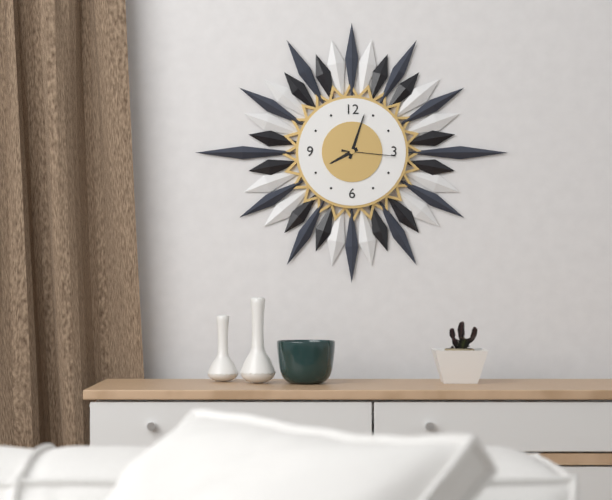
8:03:16
